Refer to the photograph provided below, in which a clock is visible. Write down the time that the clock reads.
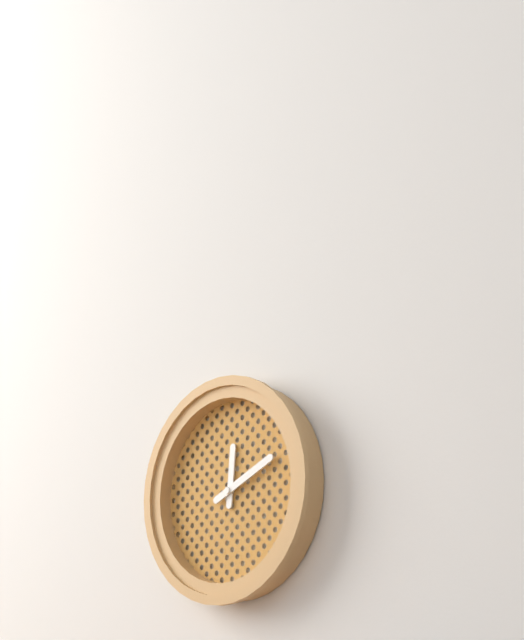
12:11
